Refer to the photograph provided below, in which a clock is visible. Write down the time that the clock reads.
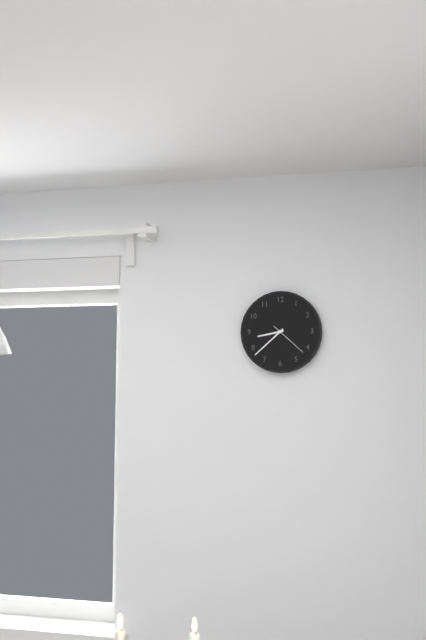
8:38
